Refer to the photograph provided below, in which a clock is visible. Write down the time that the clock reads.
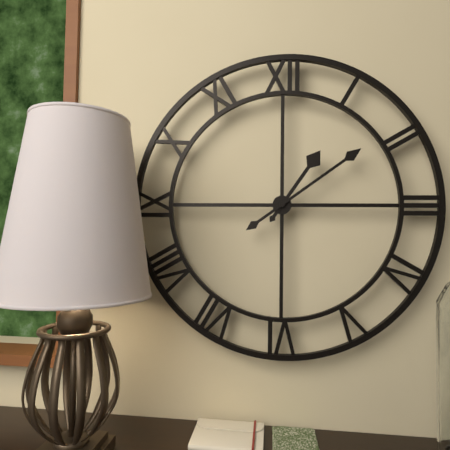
1:09
